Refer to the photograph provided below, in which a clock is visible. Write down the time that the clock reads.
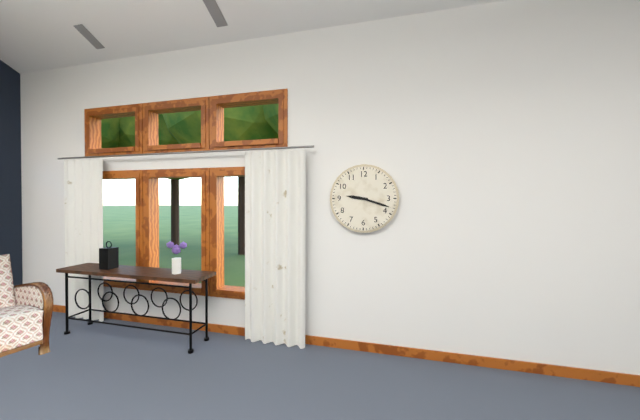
9:18
